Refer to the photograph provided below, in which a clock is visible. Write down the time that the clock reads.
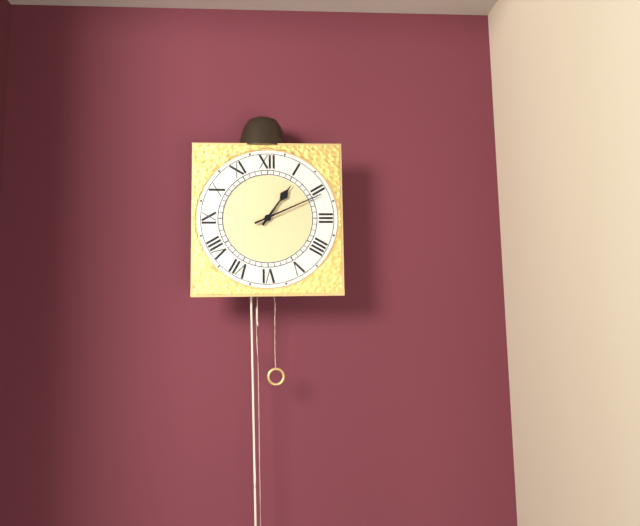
1:11
